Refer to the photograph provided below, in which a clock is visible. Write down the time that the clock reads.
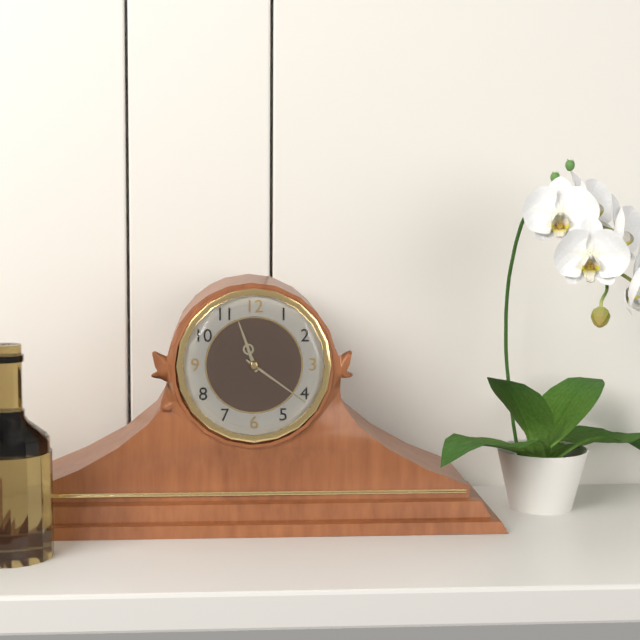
11:21
